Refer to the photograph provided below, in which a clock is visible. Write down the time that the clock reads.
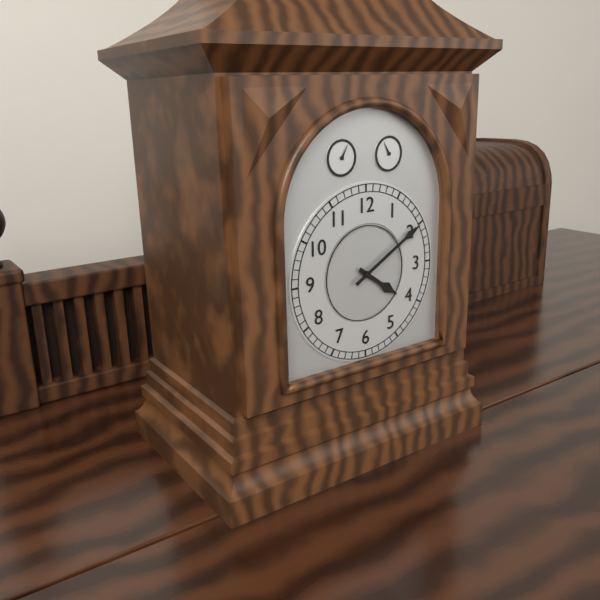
4:10
